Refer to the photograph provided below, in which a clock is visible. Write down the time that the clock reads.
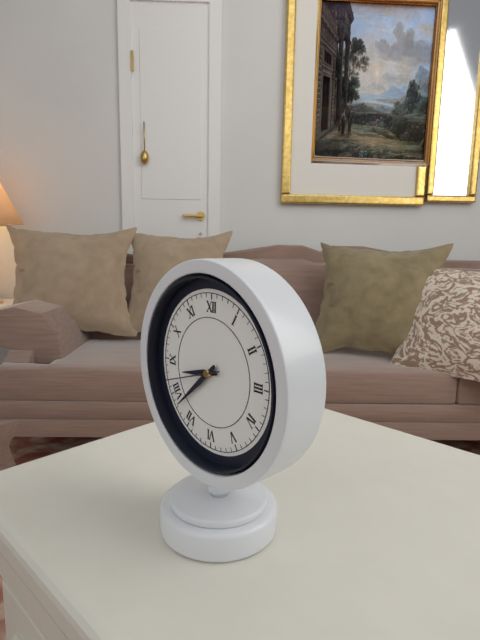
8:38:42
